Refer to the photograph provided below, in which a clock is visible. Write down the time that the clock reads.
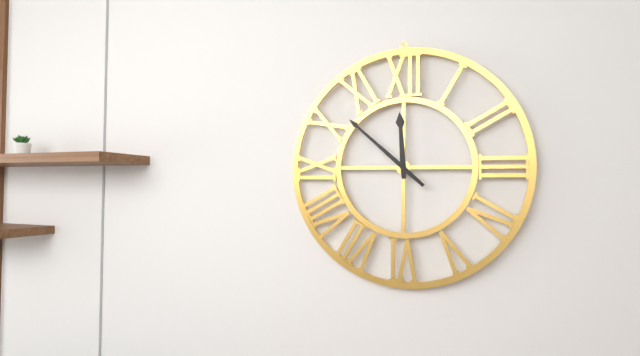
11:52
